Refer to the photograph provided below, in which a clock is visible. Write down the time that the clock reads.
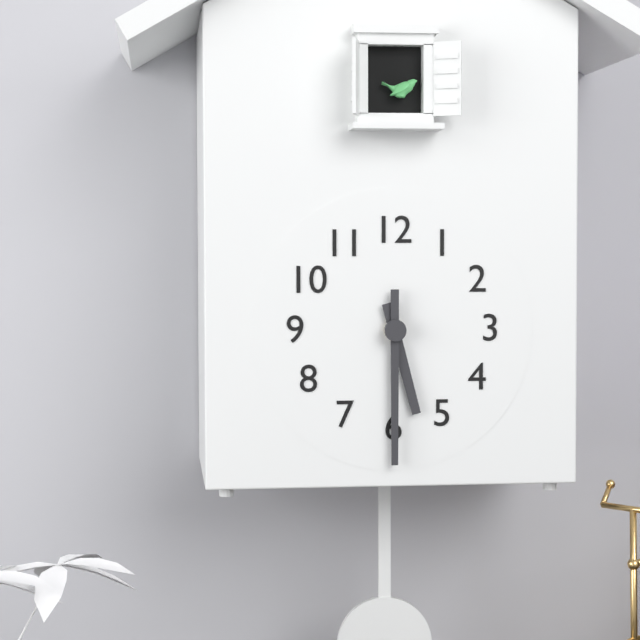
5:30
